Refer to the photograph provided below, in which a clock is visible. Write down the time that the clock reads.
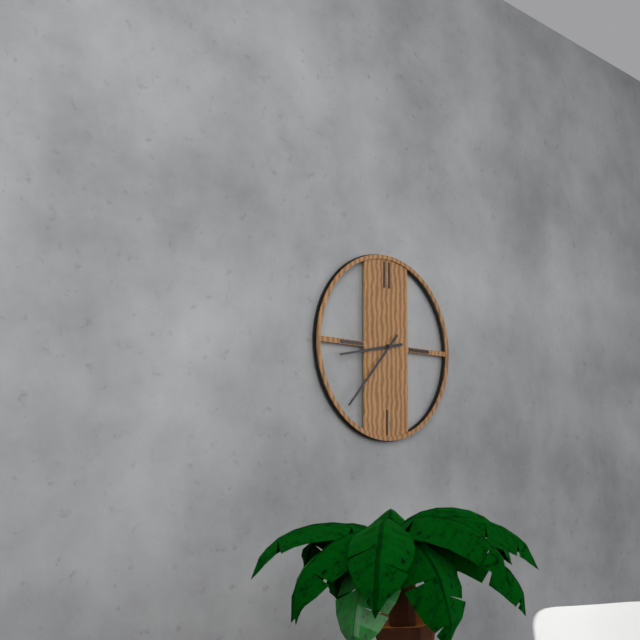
8:37
